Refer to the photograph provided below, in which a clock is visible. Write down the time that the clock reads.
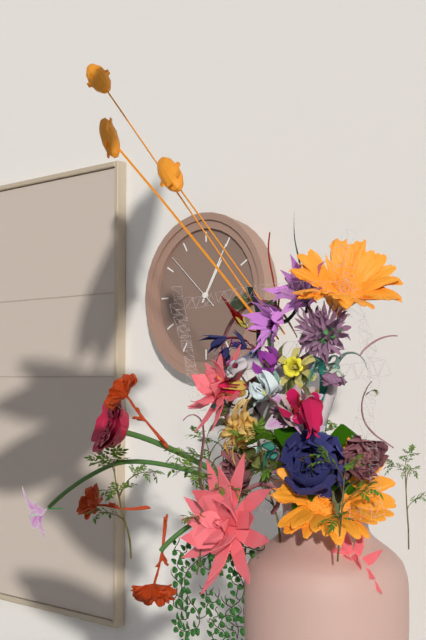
1:05:52
